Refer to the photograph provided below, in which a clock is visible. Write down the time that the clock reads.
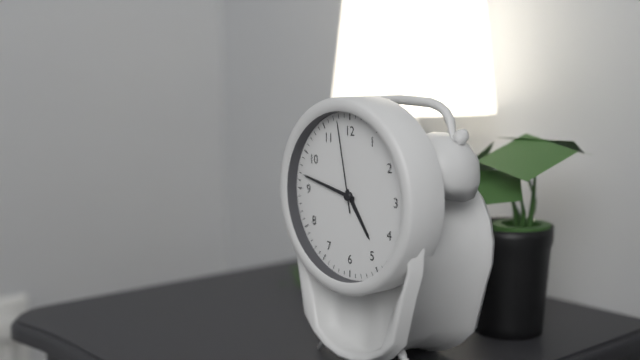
4:47:58
